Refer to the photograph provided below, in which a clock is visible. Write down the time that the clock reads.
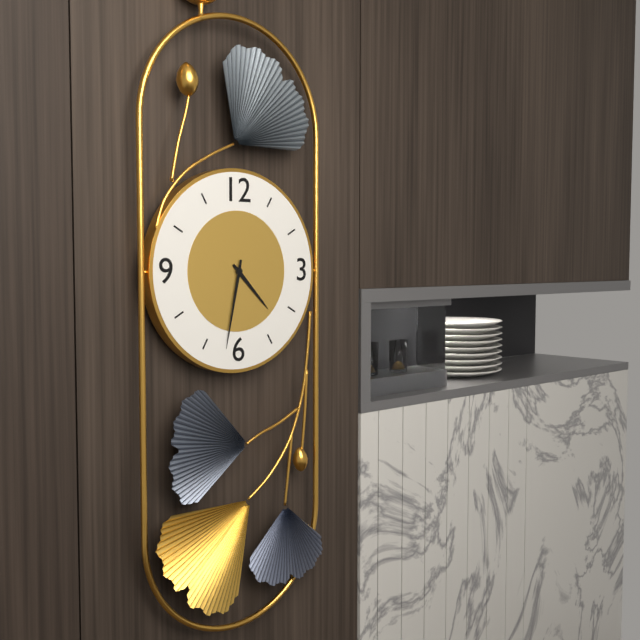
4:32
